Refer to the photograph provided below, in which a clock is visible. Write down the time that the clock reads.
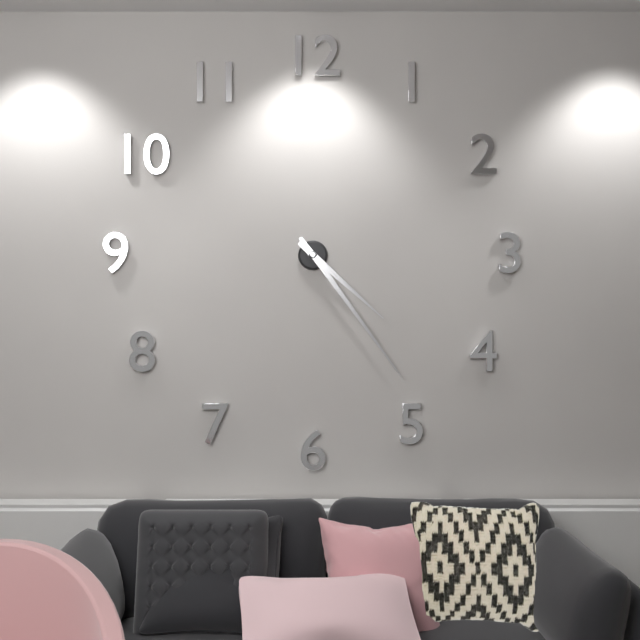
4:24
